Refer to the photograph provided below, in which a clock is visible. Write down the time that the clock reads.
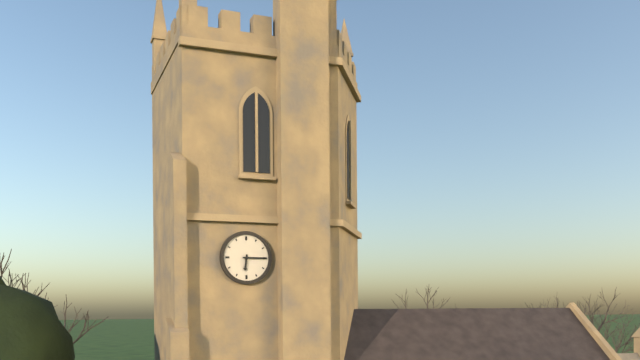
6:15
